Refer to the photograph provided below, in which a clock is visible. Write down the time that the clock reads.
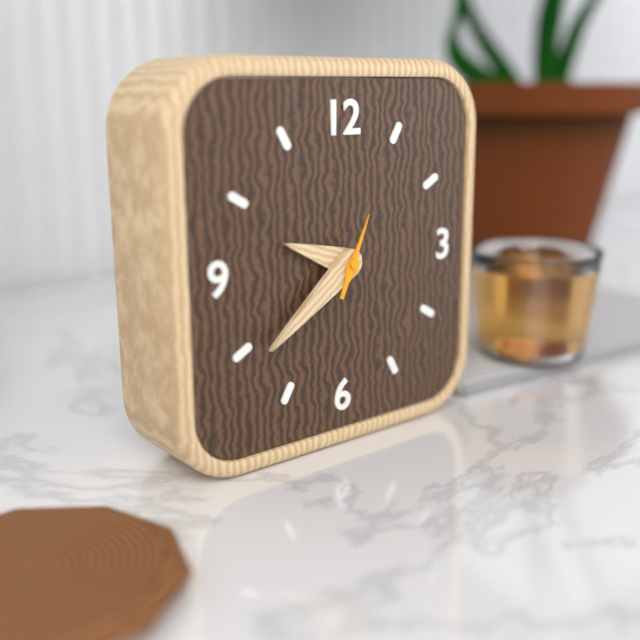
9:39:04
